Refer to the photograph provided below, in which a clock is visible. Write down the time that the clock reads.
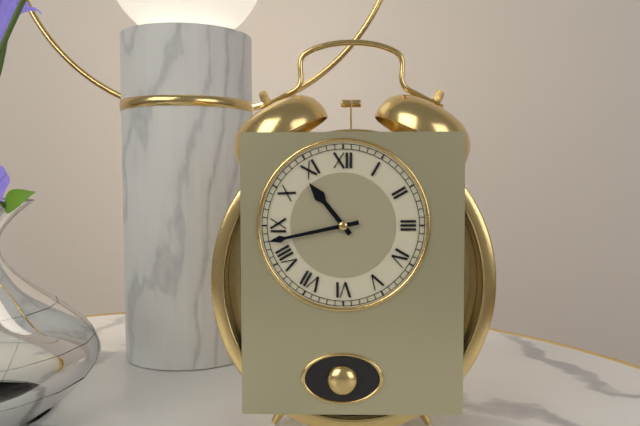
10:43
